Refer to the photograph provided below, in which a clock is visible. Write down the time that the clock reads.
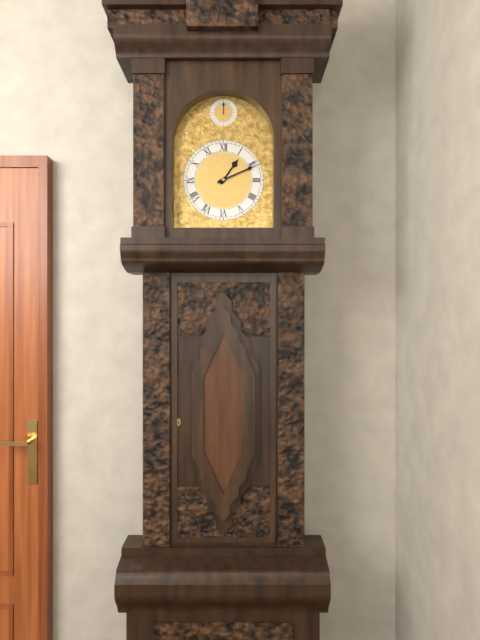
1:11
